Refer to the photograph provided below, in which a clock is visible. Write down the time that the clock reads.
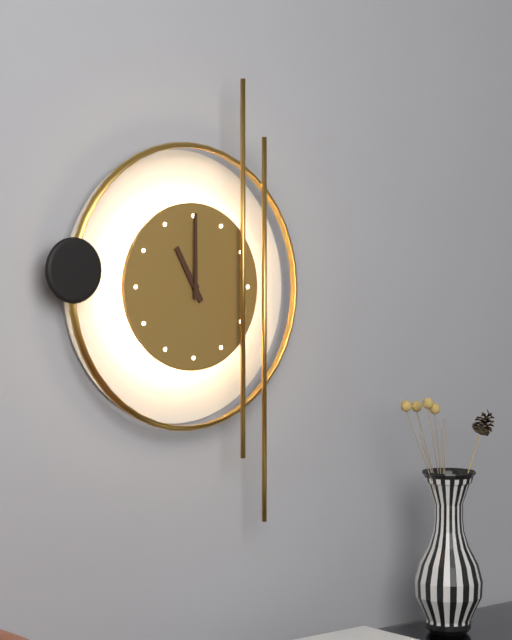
11:00
